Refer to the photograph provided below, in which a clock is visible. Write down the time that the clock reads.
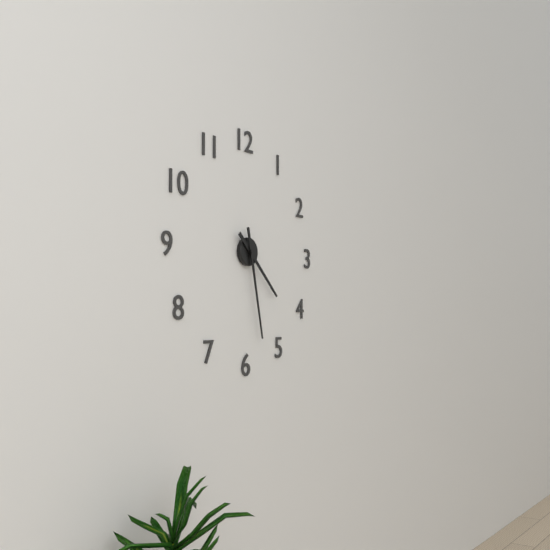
4:28
